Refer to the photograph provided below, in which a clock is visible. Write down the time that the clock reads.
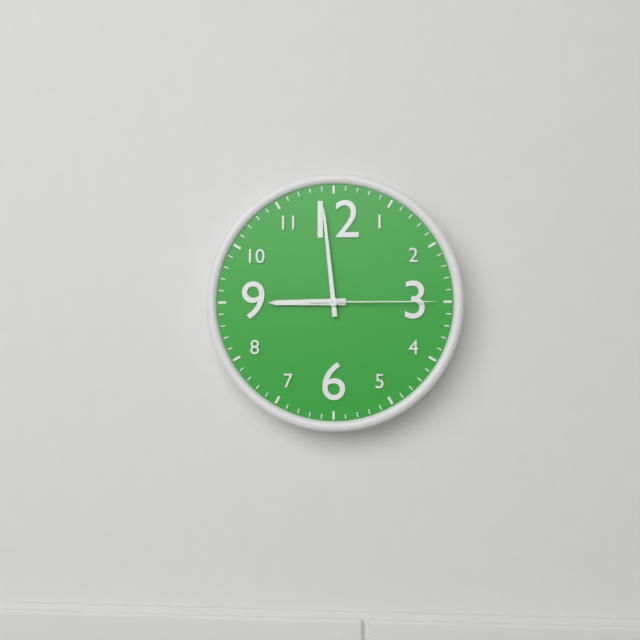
8:59:15
